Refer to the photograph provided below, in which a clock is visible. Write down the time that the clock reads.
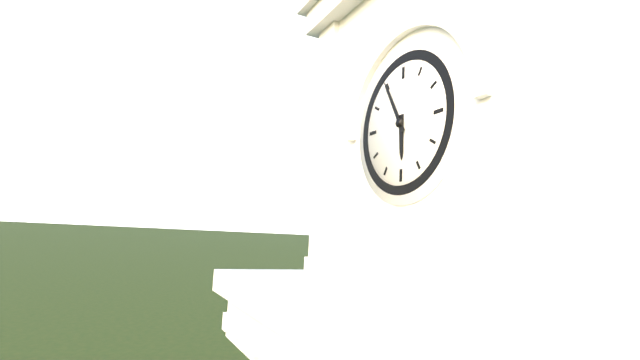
5:55
